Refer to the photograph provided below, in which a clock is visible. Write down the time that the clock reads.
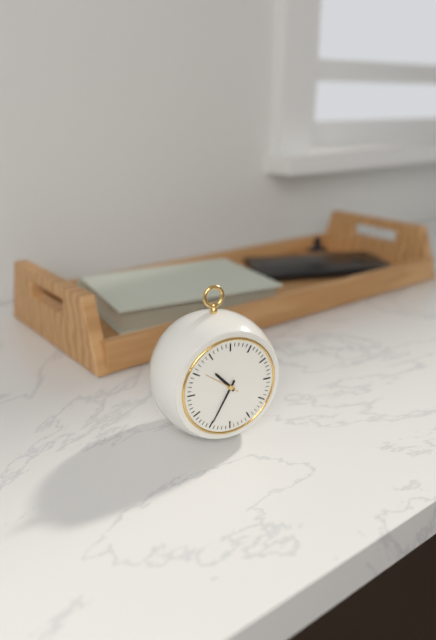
10:35
